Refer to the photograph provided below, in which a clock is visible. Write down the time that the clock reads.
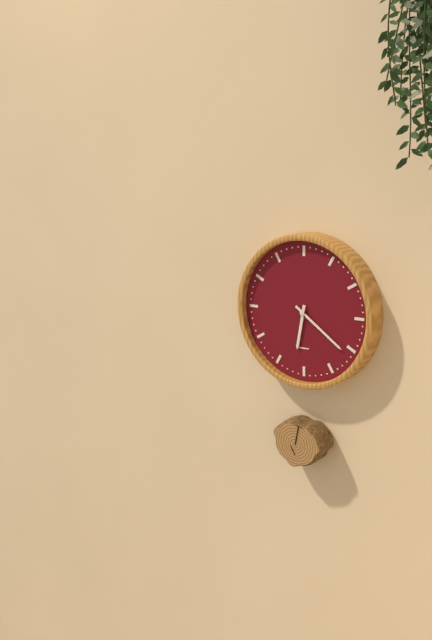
6:21
